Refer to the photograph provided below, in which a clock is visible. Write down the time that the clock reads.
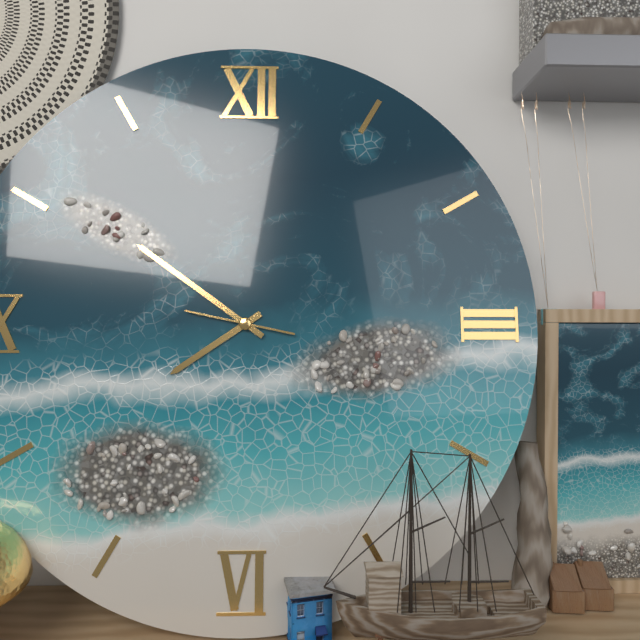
7:51:47
